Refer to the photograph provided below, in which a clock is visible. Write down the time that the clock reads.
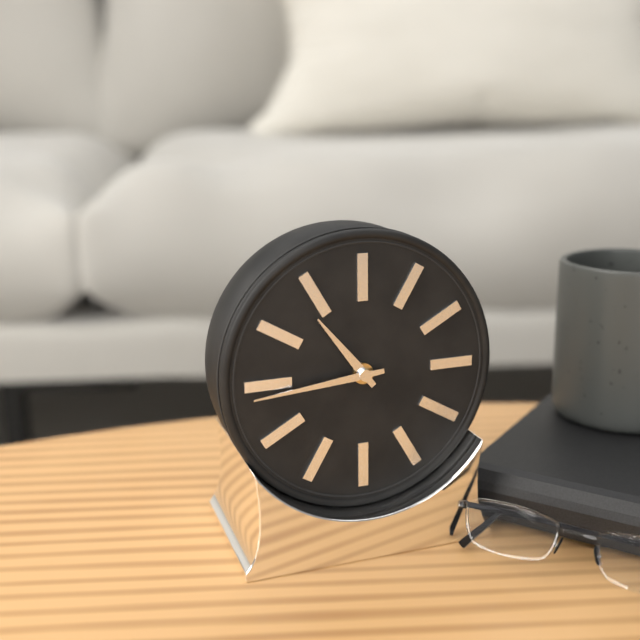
10:44
